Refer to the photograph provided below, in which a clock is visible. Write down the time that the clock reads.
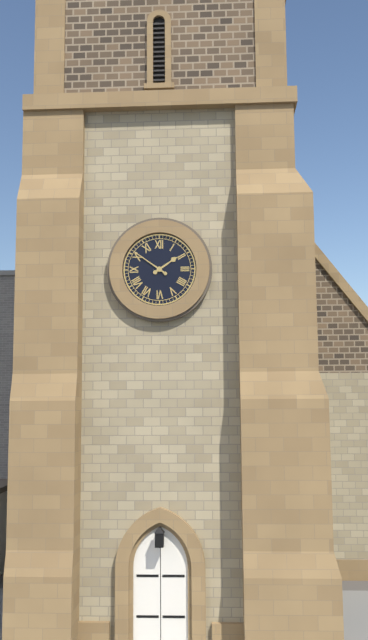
1:51
